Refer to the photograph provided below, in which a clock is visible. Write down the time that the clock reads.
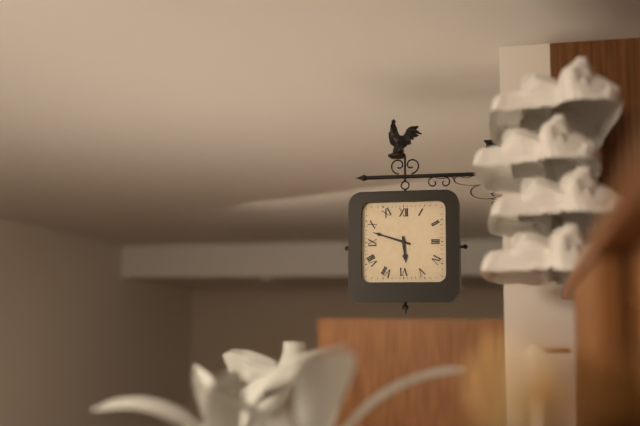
5:48
